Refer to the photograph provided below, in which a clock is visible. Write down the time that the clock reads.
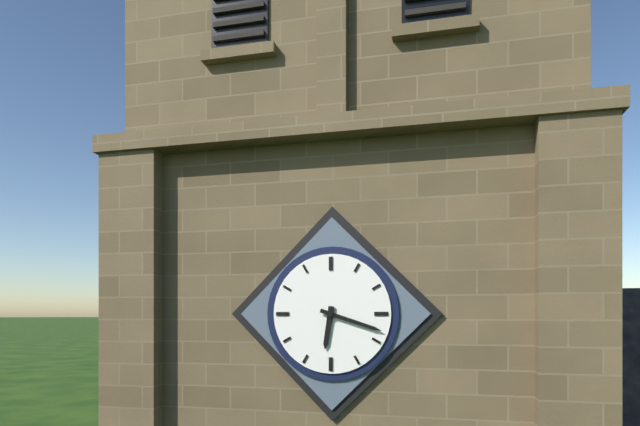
6:18
